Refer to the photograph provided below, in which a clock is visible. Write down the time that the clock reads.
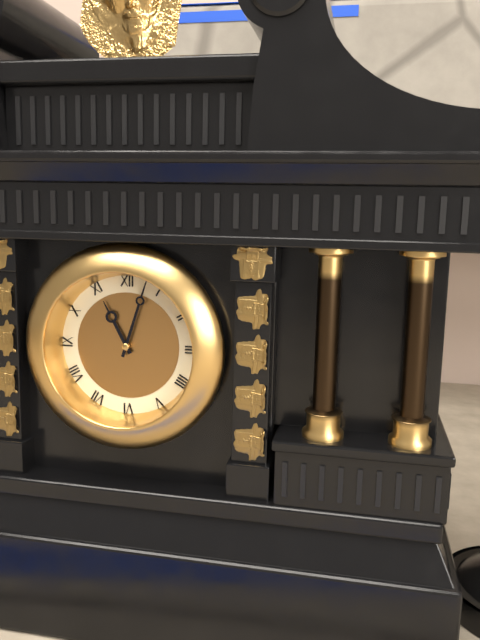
11:03
